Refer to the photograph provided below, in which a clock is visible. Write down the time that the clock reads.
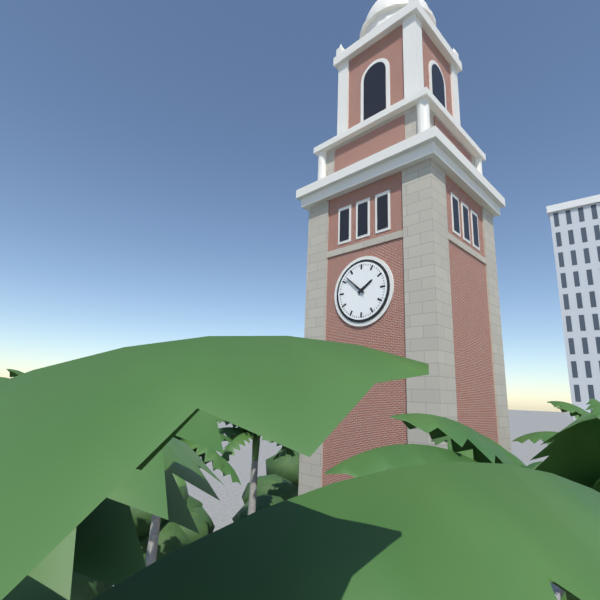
1:52
